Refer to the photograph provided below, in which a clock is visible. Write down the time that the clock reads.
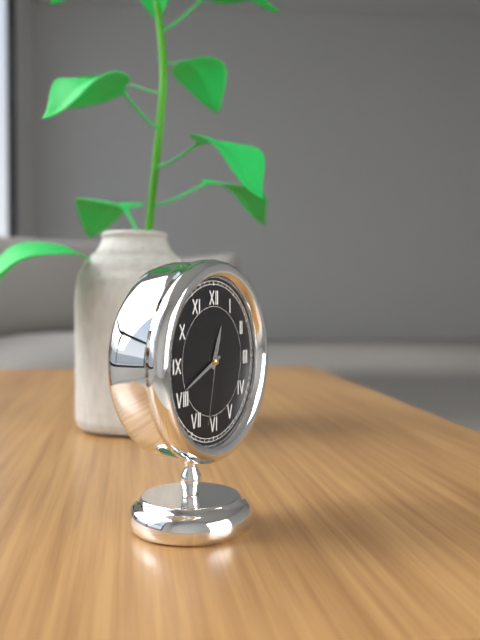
12:41:32
